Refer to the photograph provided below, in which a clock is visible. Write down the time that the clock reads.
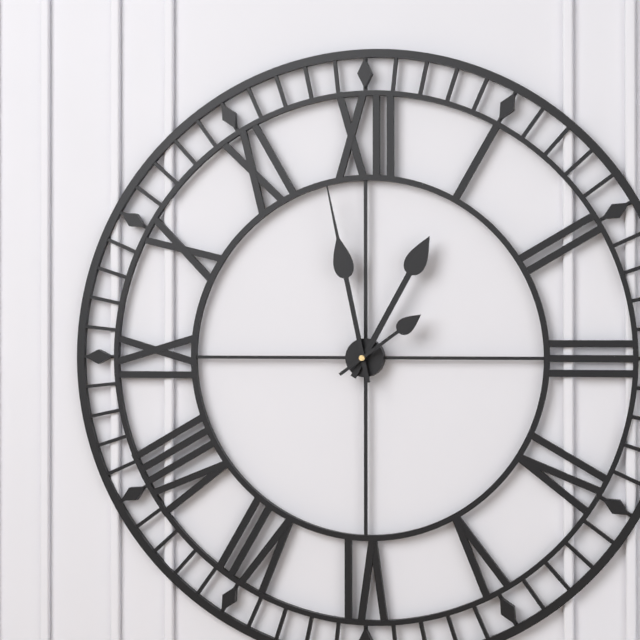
12:58:09
